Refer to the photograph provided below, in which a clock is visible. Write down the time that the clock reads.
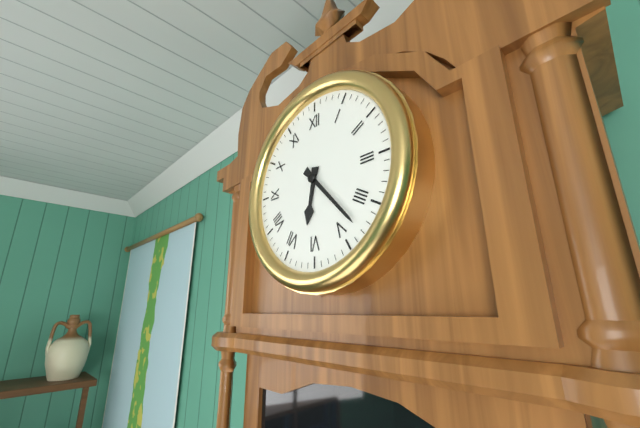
6:23
